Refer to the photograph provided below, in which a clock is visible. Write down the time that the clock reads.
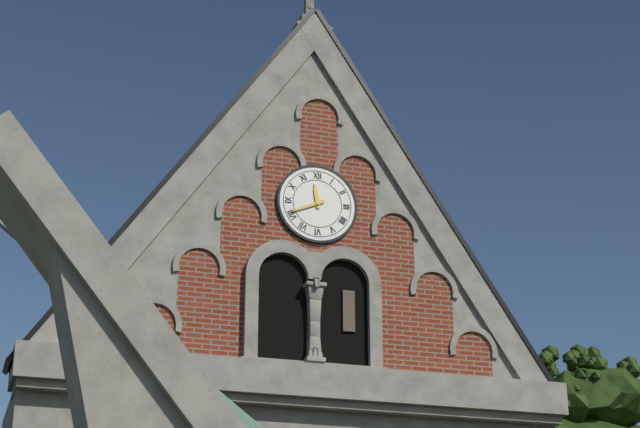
11:41
